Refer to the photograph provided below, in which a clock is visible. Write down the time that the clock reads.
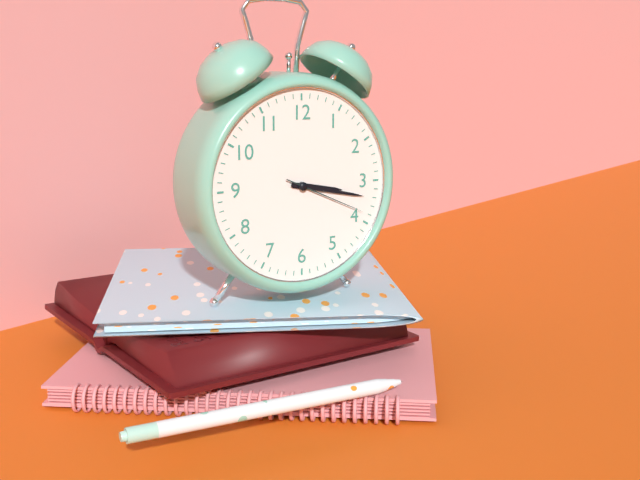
3:17:19
